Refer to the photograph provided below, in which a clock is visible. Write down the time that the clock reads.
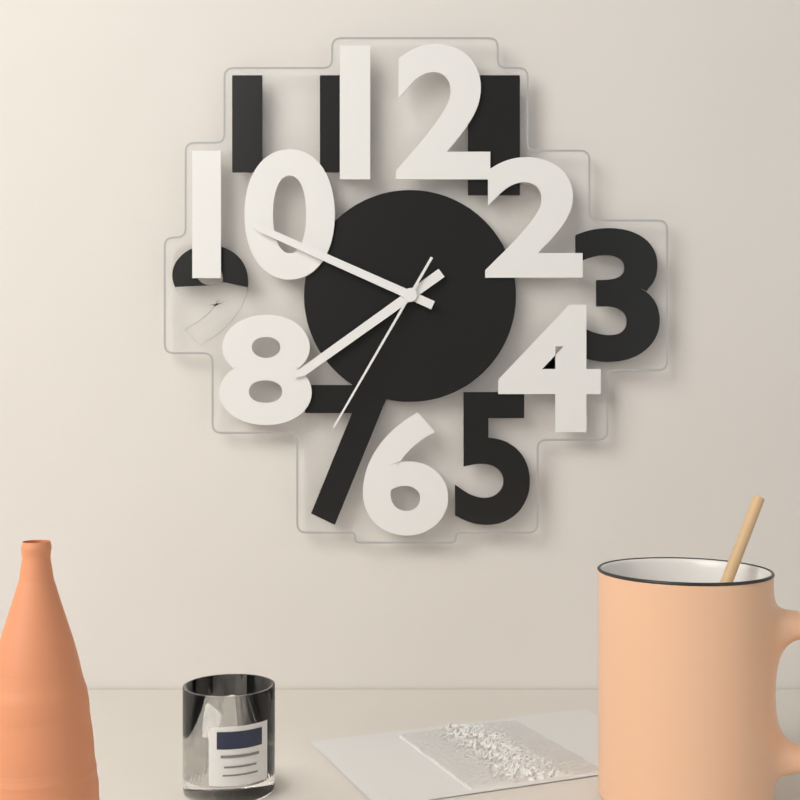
7:49:35
